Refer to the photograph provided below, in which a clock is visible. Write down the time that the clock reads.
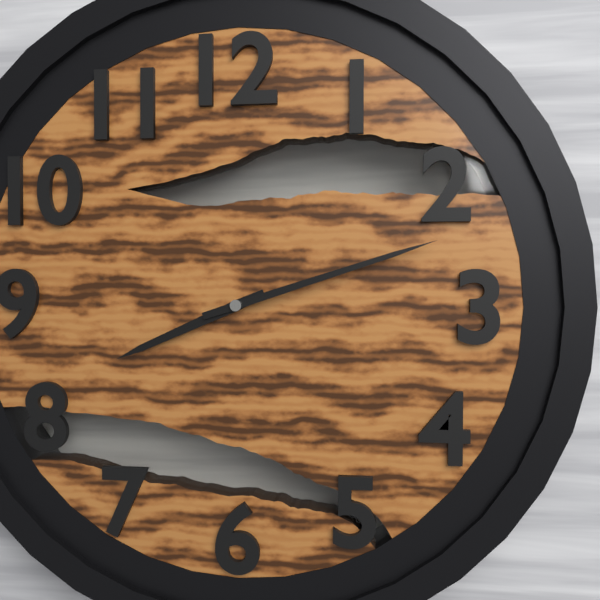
8:12
